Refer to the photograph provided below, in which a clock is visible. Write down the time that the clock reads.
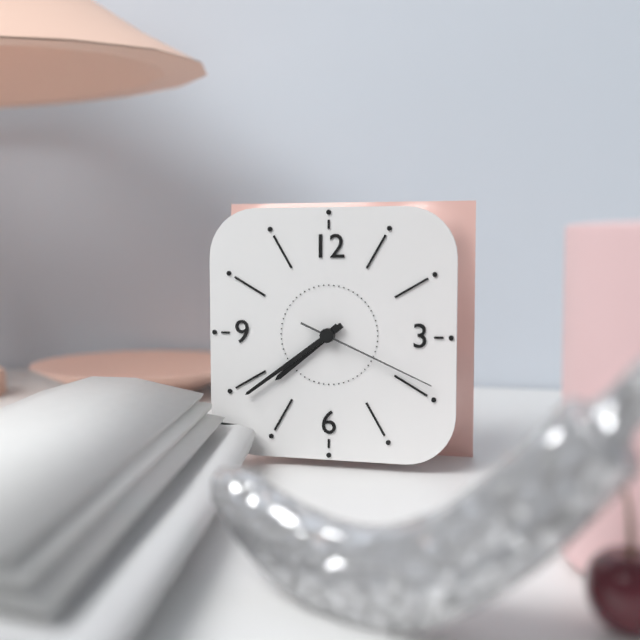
7:39:19
